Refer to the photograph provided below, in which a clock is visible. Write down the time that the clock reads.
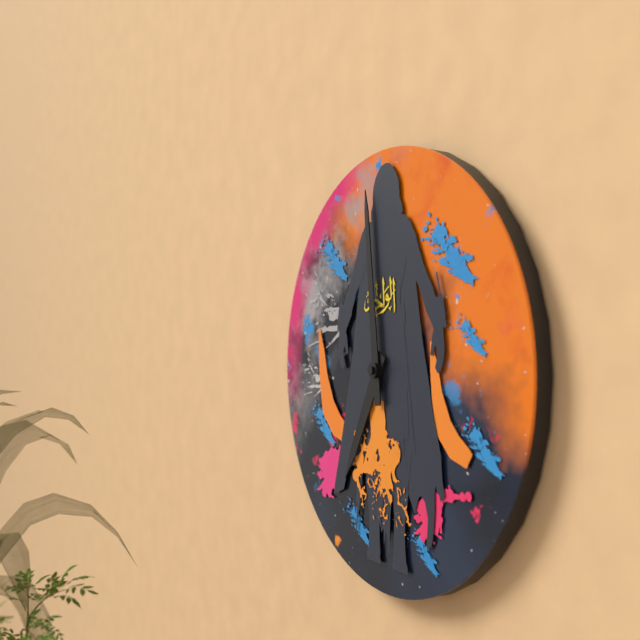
6:59
